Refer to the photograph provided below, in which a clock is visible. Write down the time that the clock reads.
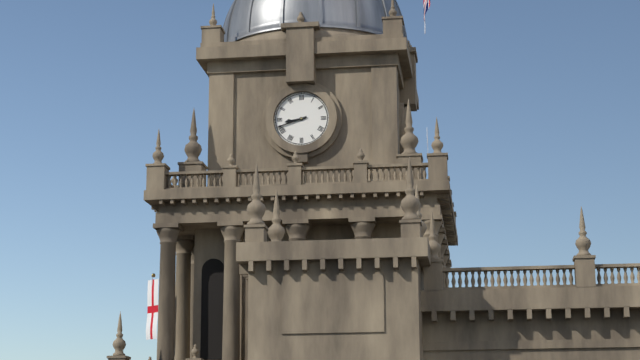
8:42
